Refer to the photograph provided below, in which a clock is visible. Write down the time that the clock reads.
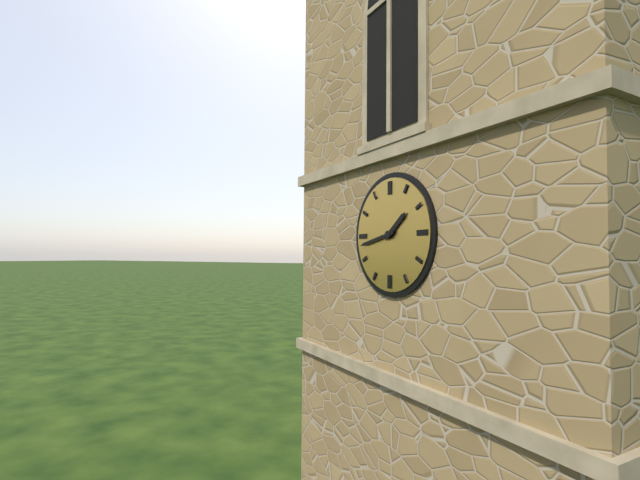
1:43
